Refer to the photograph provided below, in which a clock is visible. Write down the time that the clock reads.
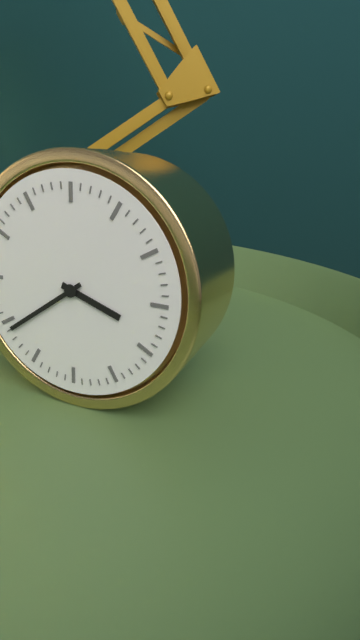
3:39
